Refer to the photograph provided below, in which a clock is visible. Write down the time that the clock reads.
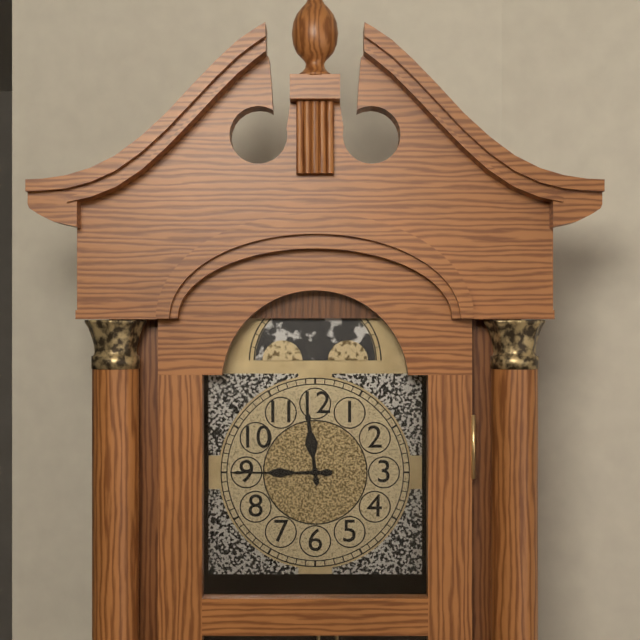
11:45
